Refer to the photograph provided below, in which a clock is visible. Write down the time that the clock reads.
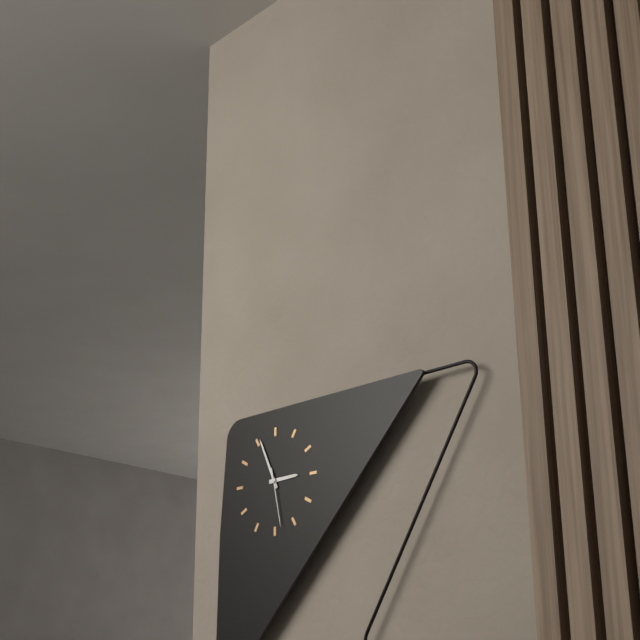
2:56:28
